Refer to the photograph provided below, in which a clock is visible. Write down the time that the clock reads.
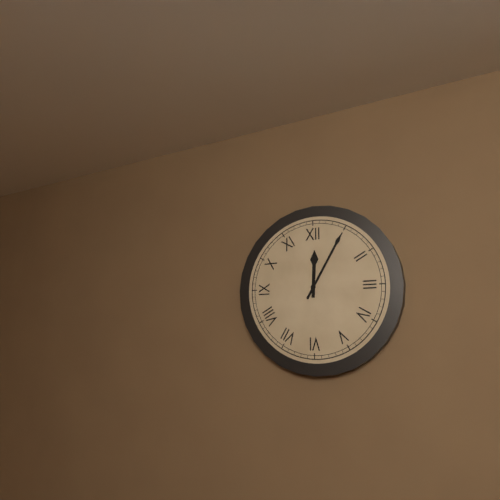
12:05
